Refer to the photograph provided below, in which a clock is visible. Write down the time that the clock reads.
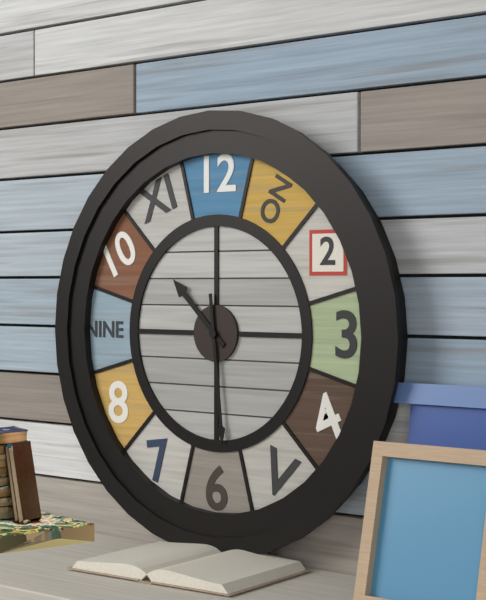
10:29
